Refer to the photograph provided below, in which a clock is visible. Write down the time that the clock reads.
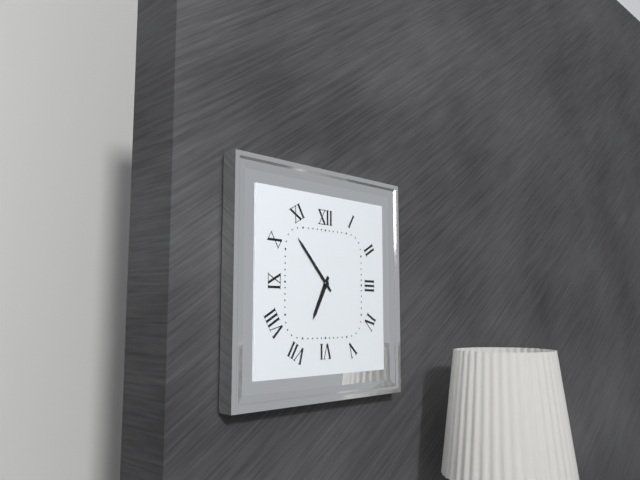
6:53
